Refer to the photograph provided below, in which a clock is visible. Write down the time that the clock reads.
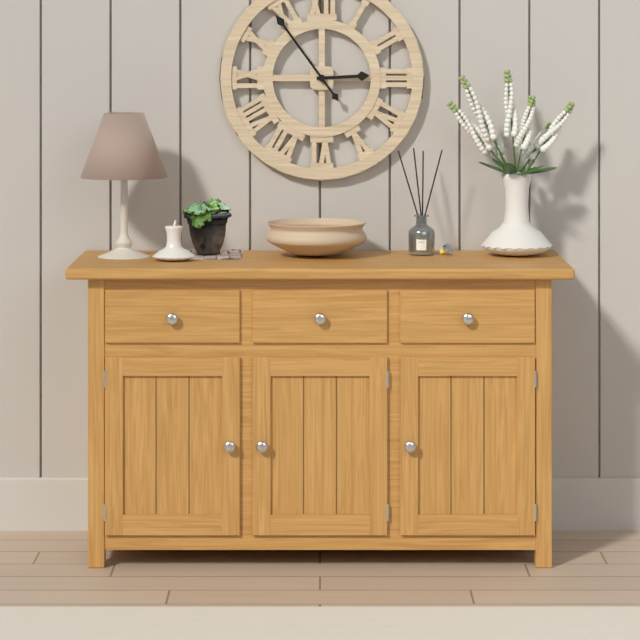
2:54
